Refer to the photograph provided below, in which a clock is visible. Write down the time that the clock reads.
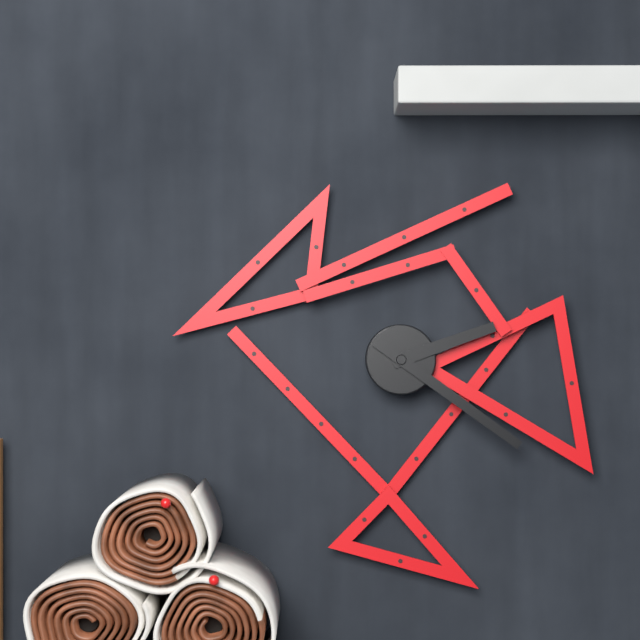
2:21
